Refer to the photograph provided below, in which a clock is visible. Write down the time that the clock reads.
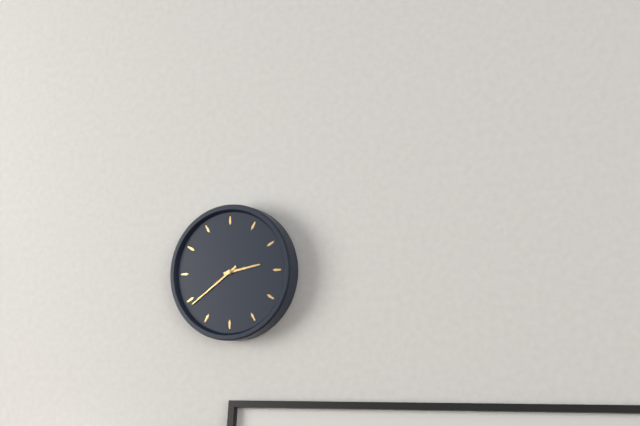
2:39
